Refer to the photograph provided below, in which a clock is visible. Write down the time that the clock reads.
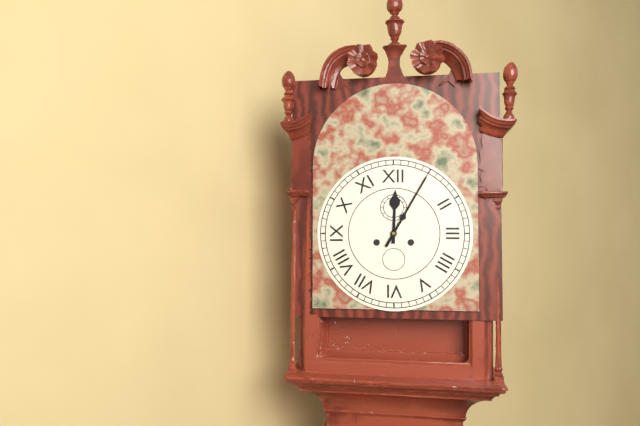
12:05
